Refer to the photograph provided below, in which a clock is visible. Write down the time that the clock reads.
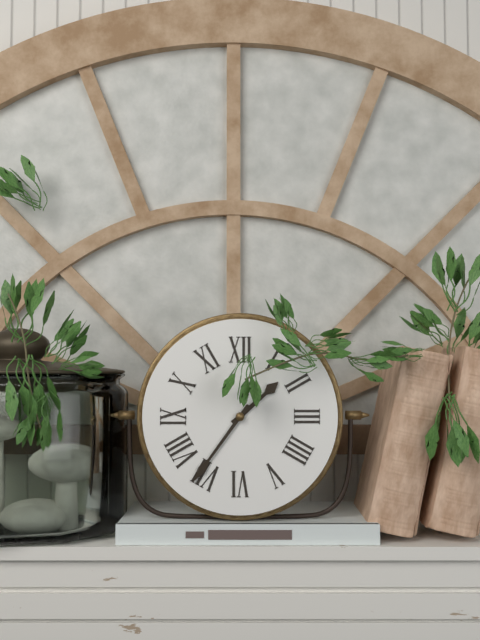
1:36
